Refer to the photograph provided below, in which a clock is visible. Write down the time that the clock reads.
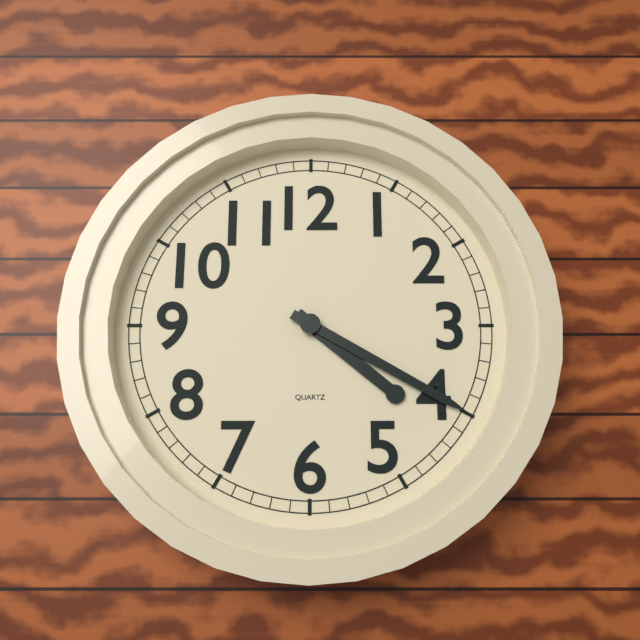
4:20
